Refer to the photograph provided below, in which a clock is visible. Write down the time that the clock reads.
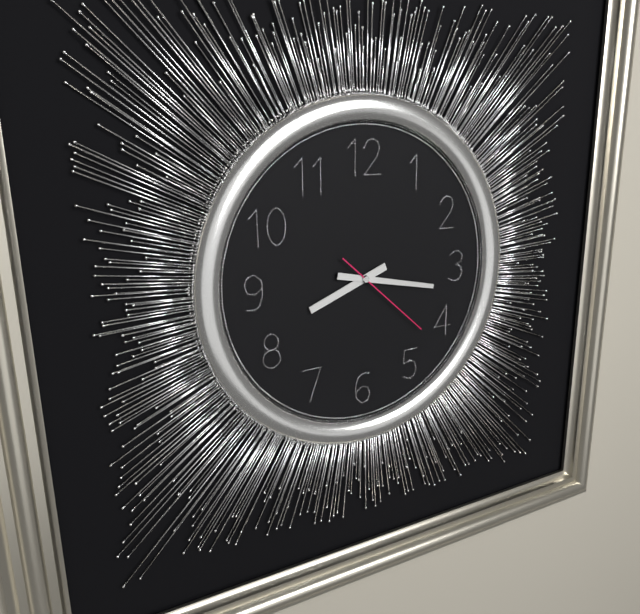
8:17:22
